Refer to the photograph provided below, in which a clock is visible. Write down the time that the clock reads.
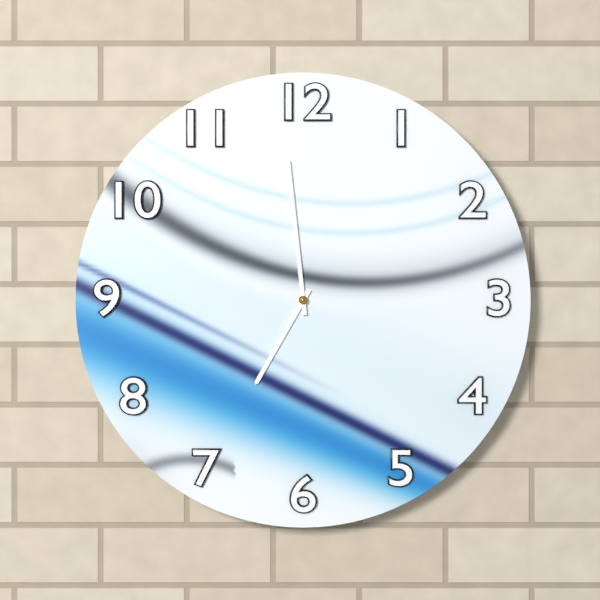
6:59
